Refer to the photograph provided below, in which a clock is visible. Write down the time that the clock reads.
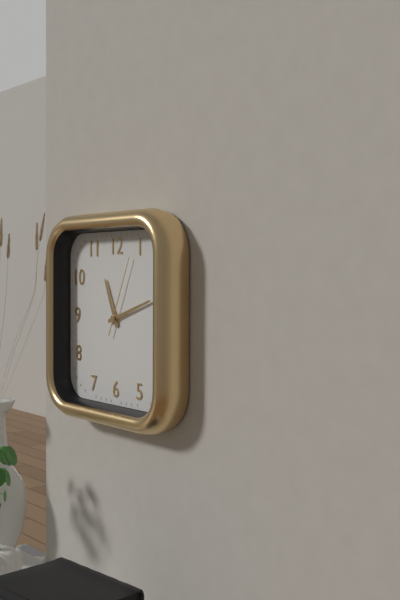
11:12:04
